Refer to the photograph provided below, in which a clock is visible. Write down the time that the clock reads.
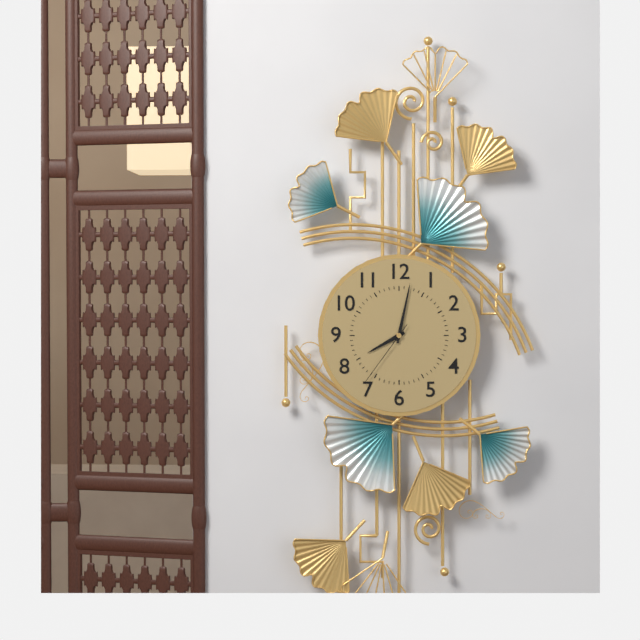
8:02:36
